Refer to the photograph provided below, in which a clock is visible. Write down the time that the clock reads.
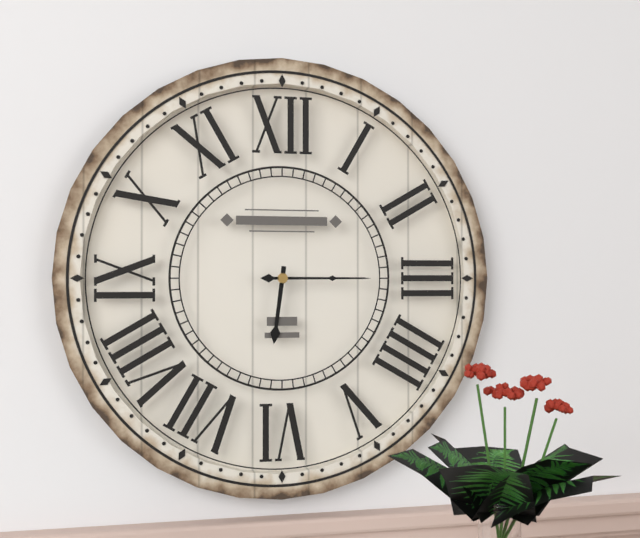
6:15
